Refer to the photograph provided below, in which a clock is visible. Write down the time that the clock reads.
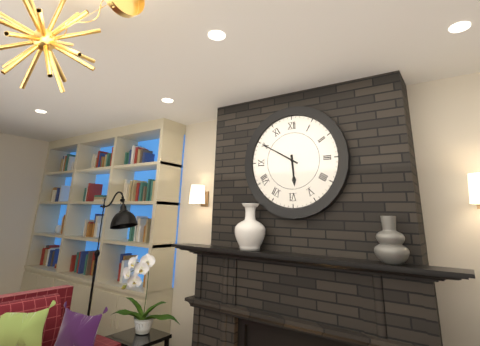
5:50
